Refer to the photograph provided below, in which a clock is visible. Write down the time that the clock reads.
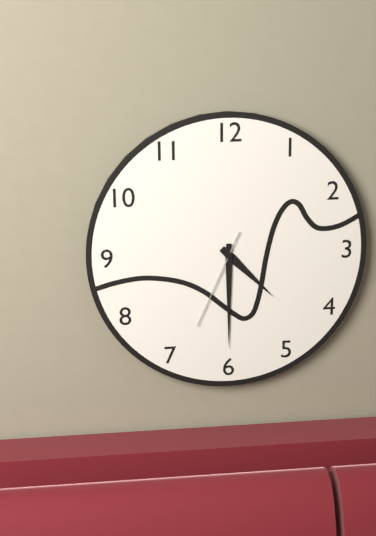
4:30:34
